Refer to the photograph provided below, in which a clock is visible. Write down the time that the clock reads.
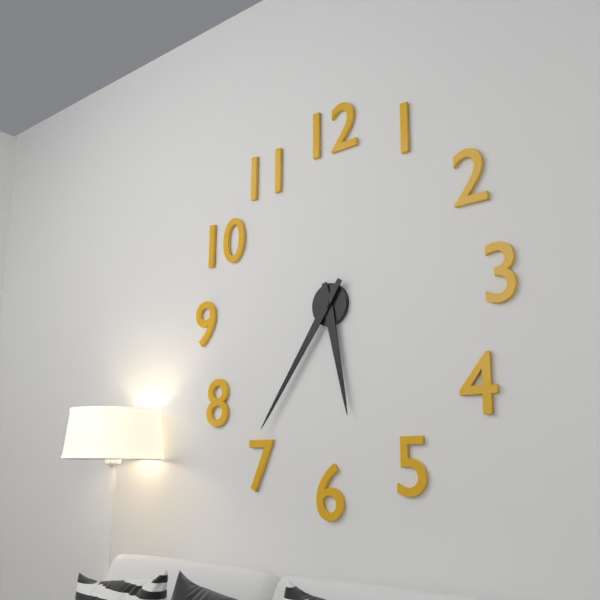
5:36
